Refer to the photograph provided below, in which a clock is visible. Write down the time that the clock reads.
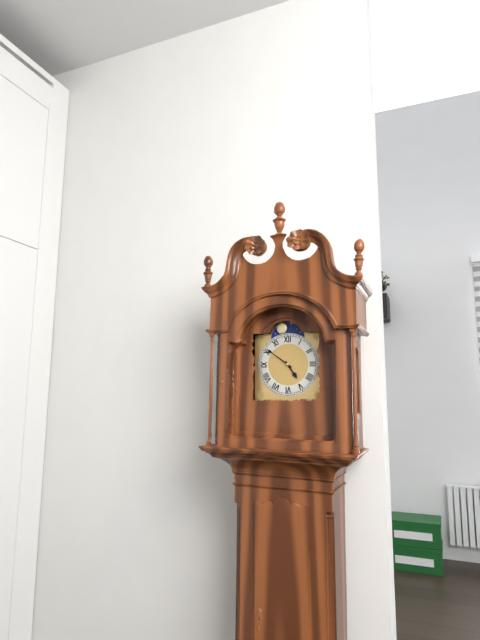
4:51
